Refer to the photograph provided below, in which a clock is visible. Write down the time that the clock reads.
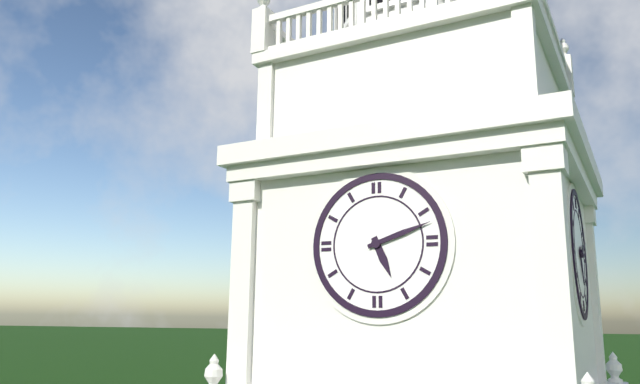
5:12
